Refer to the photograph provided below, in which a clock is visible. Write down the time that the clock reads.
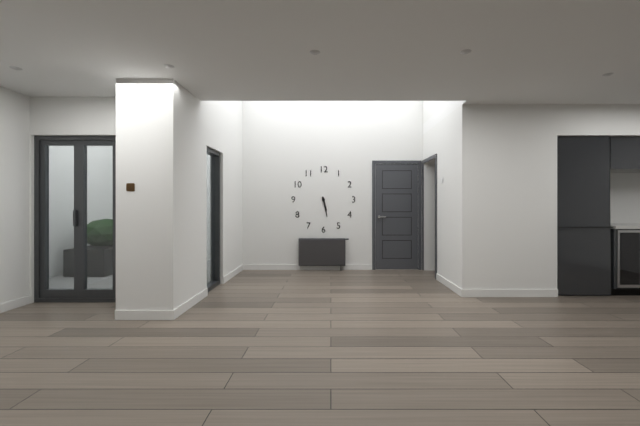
5:28
